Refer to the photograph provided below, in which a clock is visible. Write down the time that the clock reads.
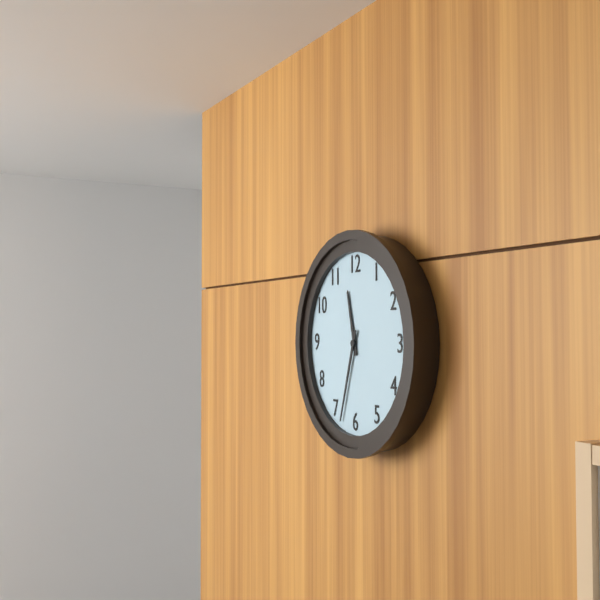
11:33
